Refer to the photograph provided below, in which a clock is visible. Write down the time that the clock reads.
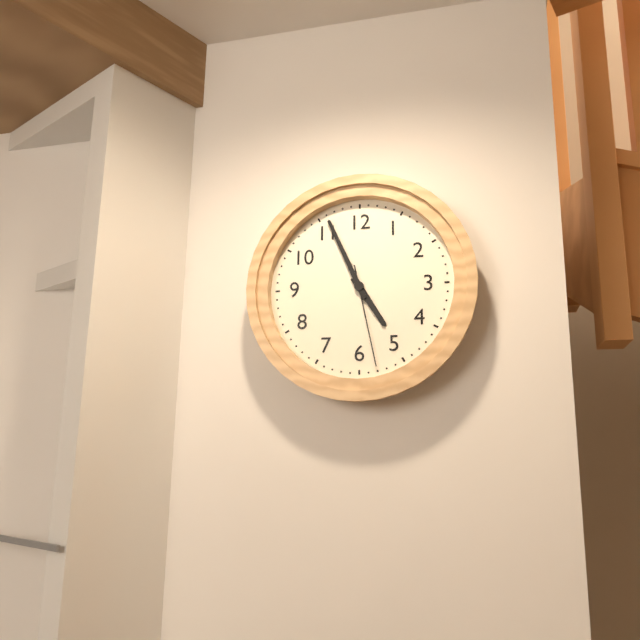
4:56:28
